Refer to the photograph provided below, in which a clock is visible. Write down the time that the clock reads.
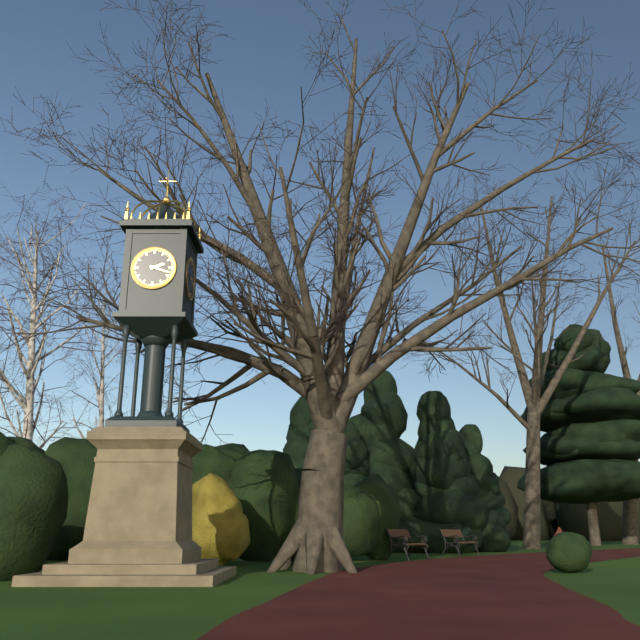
2:18
